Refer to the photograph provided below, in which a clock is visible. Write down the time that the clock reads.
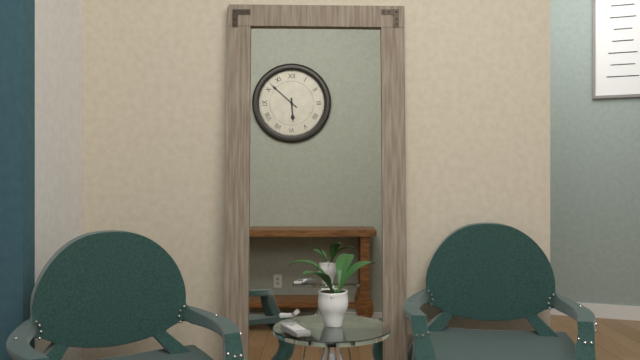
5:52
